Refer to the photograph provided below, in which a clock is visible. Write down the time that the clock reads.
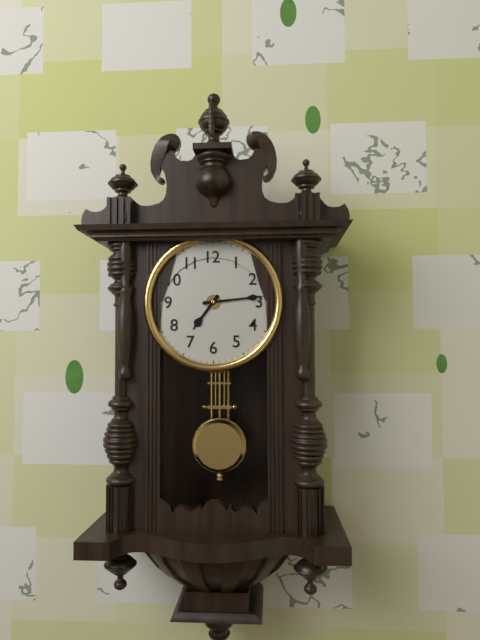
7:14
